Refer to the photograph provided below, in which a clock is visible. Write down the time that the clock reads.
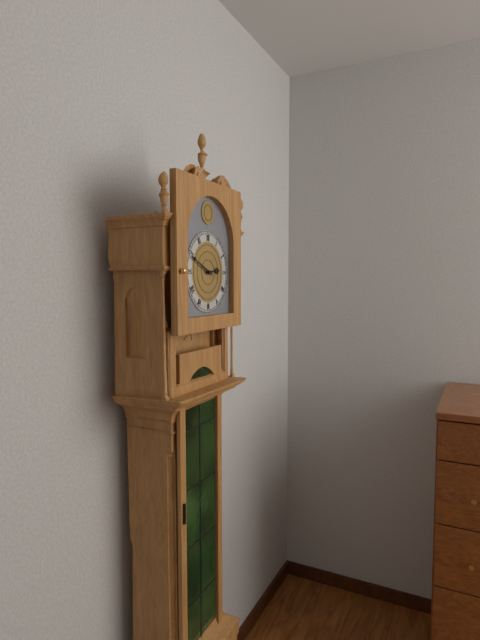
2:49
